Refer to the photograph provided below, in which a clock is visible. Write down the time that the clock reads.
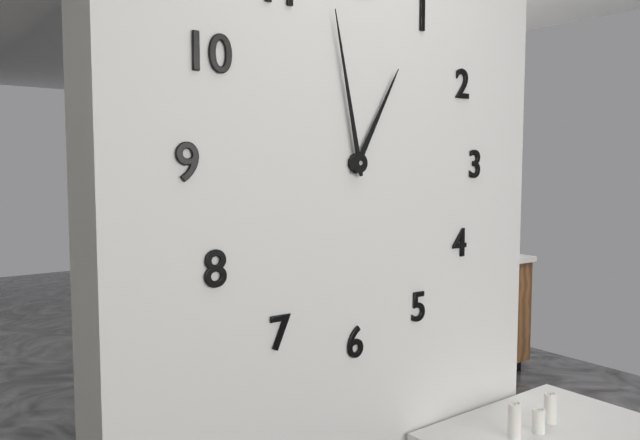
12:58
